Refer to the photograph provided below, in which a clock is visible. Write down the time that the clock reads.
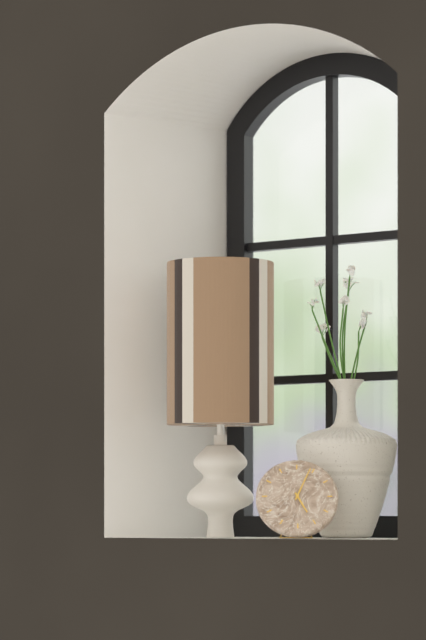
5:04
